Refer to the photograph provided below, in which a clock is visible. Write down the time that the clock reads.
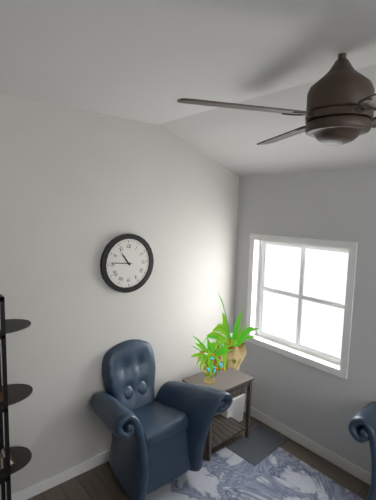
10:46
